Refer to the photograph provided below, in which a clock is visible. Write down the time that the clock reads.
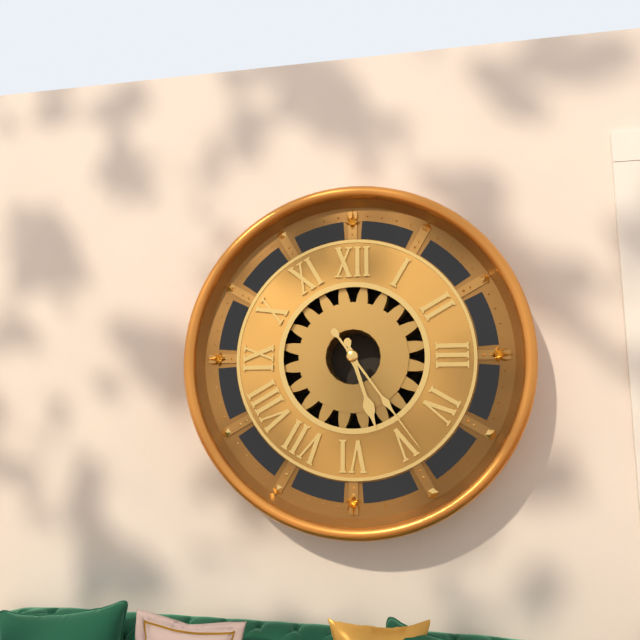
5:24
